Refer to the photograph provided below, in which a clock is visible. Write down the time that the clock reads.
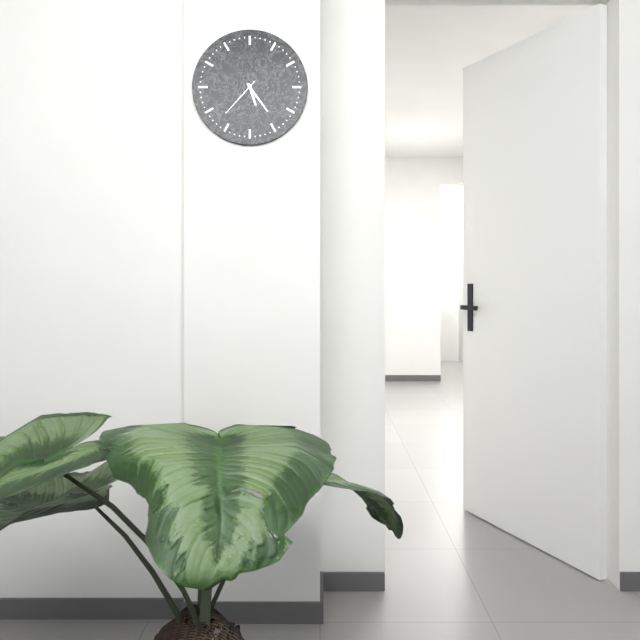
5:24
